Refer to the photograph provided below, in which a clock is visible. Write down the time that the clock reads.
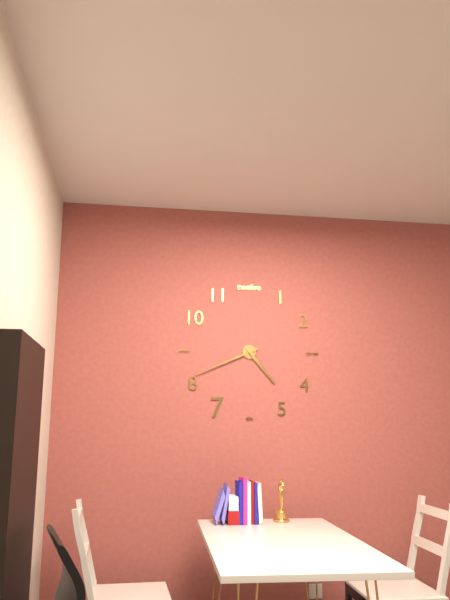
4:41
